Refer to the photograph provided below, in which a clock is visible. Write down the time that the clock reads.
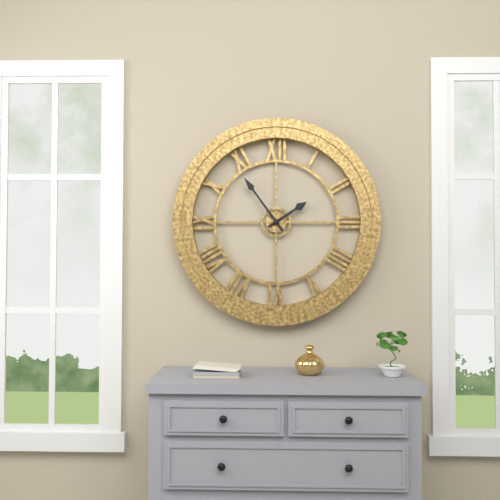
1:54
